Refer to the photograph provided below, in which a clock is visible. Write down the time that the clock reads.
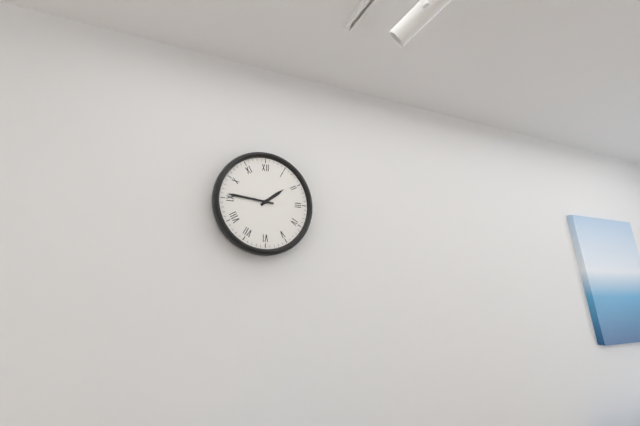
1:46
